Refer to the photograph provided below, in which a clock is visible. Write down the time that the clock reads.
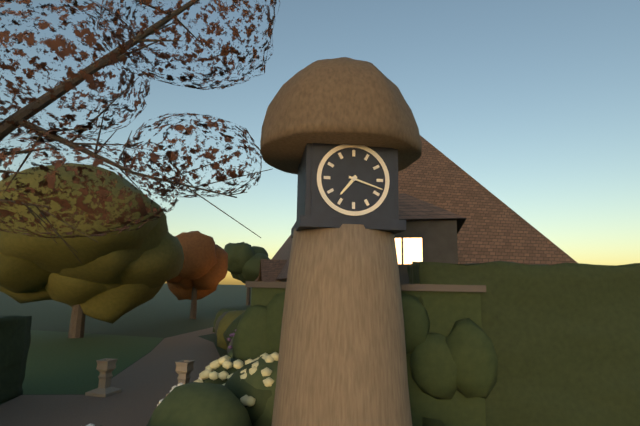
7:18
